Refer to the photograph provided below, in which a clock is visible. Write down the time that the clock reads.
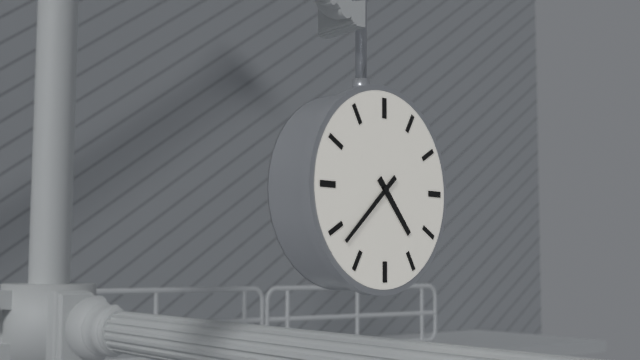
4:38
